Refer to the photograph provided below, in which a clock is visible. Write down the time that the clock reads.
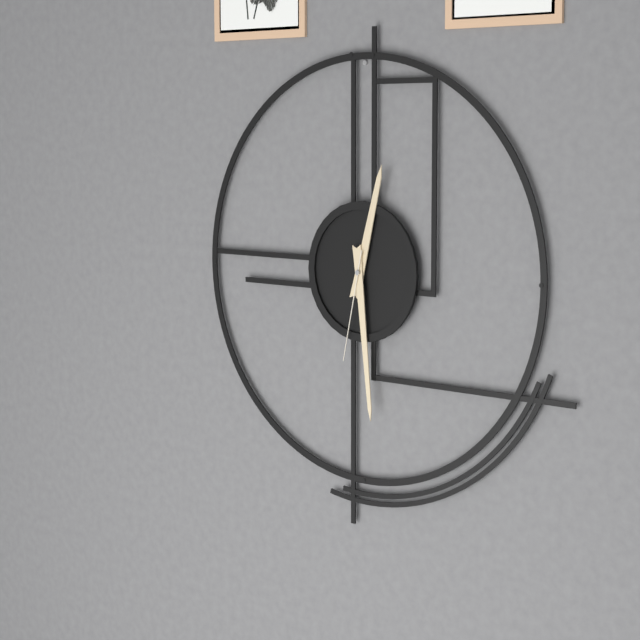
12:29:32
